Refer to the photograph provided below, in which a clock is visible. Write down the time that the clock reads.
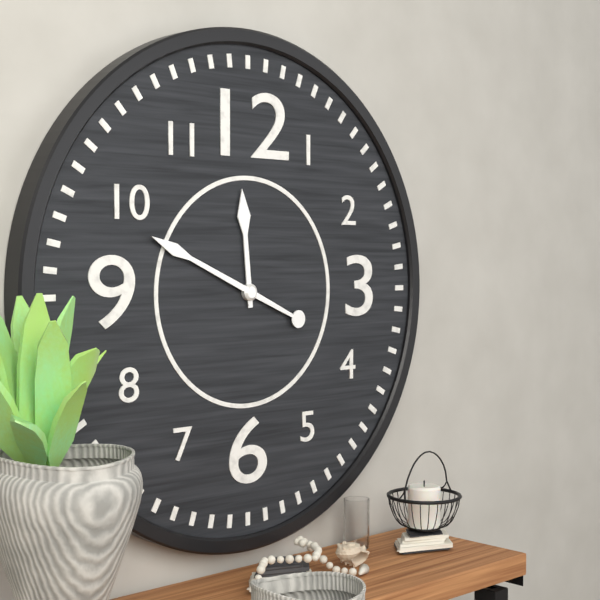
11:49
